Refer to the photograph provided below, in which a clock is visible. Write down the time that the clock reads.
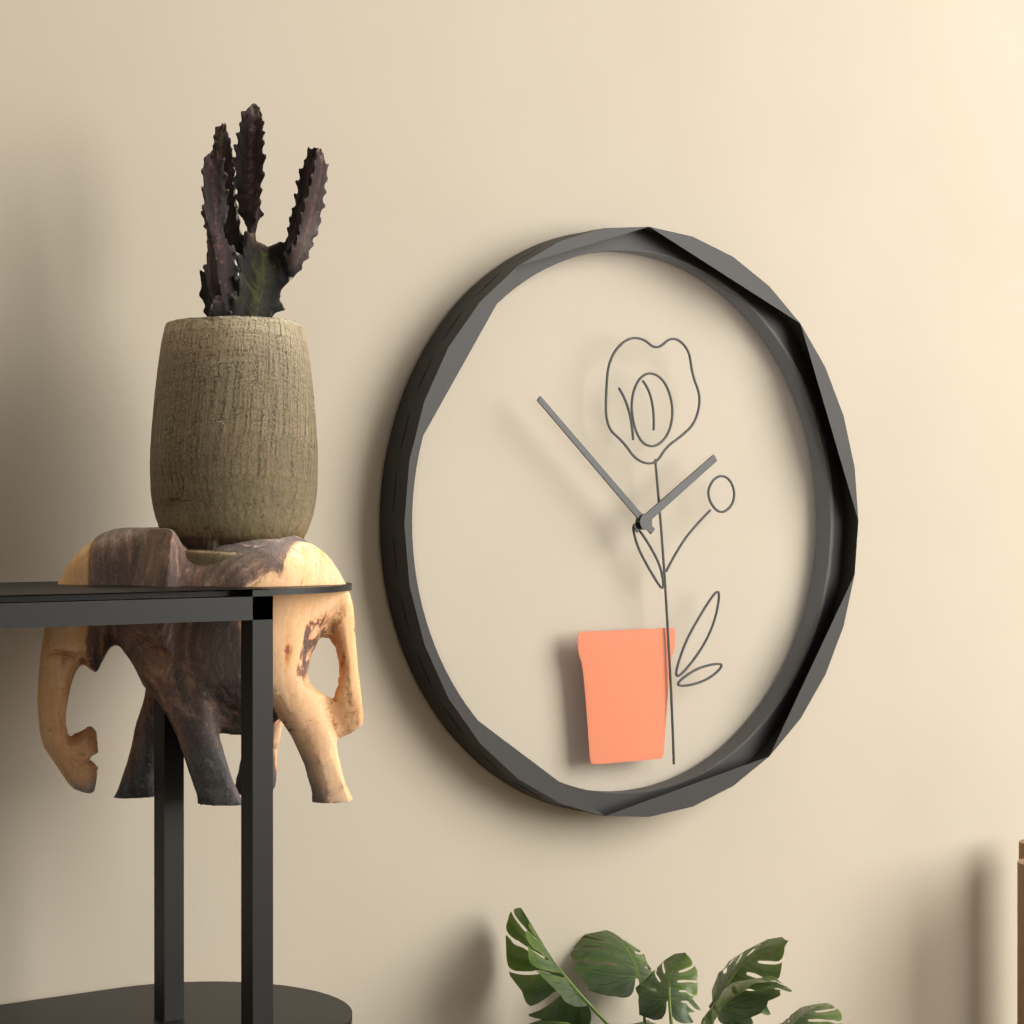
1:52
